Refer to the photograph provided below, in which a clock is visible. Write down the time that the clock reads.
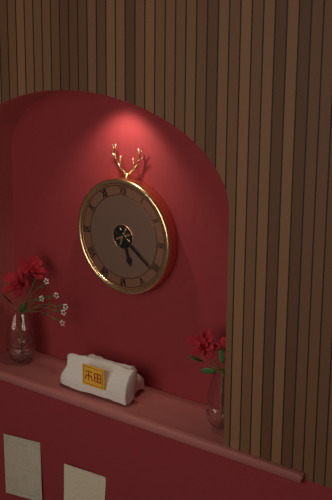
5:21
